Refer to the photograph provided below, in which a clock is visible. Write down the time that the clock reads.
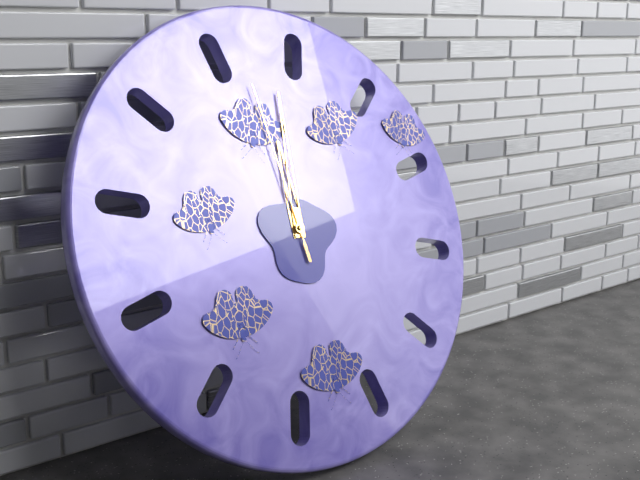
12:01:59
